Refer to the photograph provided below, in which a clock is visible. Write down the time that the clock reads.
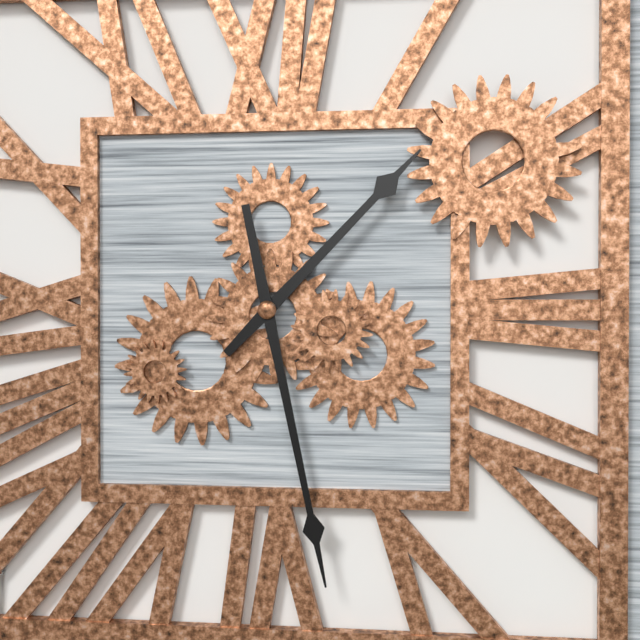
1:28
